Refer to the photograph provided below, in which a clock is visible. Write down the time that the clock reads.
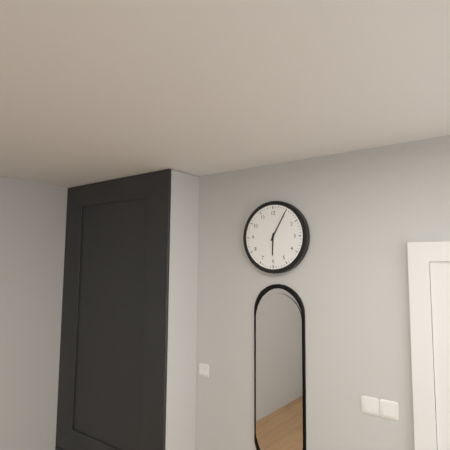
6:05
